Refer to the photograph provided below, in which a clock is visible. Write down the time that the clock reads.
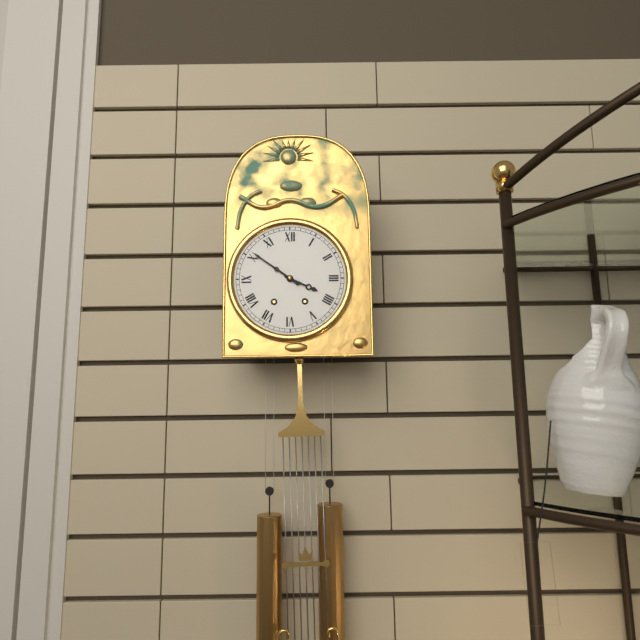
3:51
